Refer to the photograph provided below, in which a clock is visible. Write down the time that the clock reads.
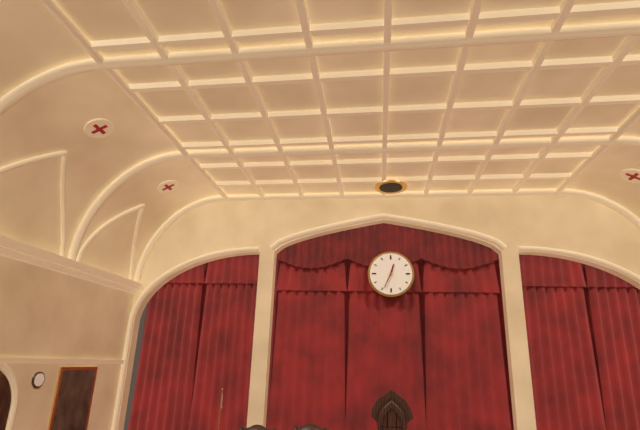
12:34
